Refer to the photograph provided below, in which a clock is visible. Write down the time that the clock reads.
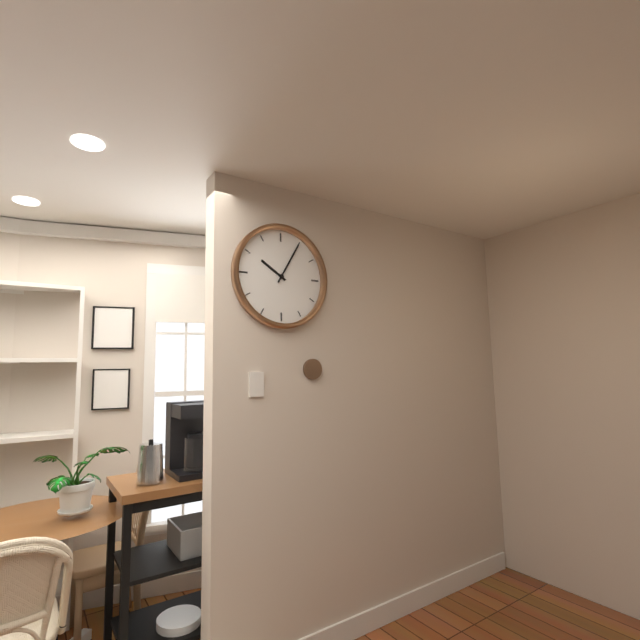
10:05
